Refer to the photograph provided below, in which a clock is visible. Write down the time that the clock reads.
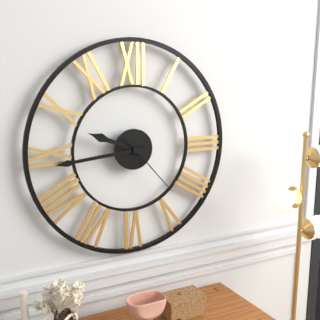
9:44:23
